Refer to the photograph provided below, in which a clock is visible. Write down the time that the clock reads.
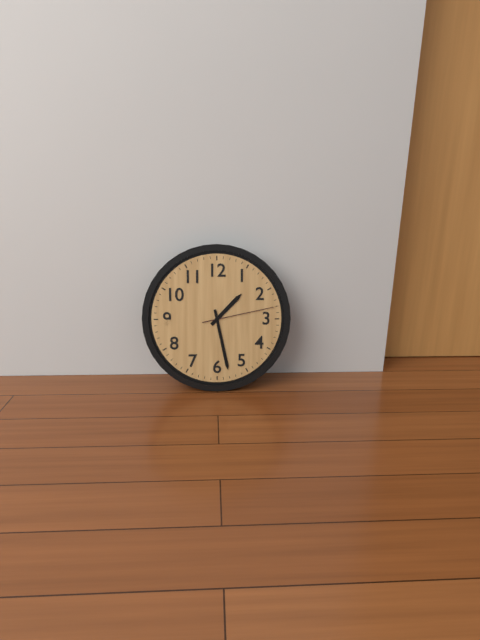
1:28:13
